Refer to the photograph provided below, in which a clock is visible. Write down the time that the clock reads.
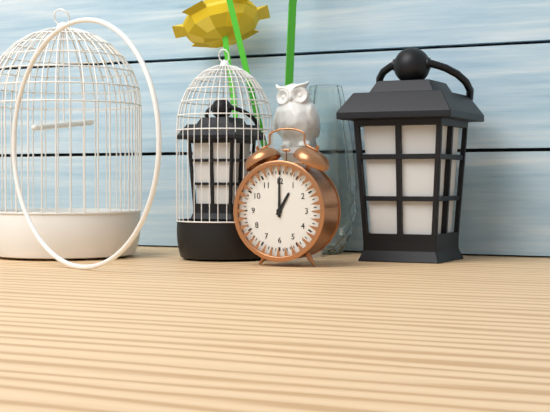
1:00
